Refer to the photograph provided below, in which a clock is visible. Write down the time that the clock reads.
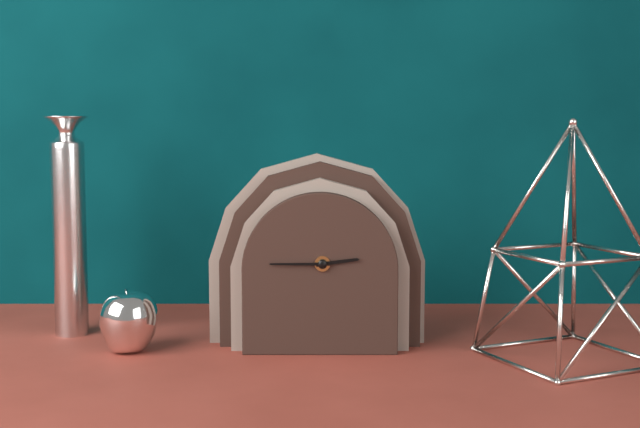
2:45
